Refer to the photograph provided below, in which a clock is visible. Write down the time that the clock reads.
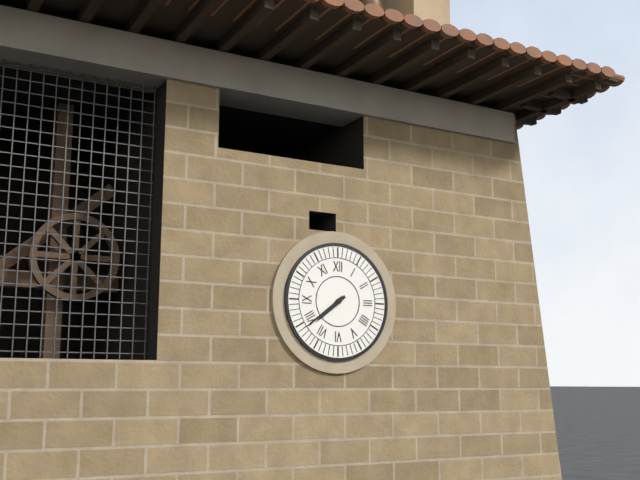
7:39
